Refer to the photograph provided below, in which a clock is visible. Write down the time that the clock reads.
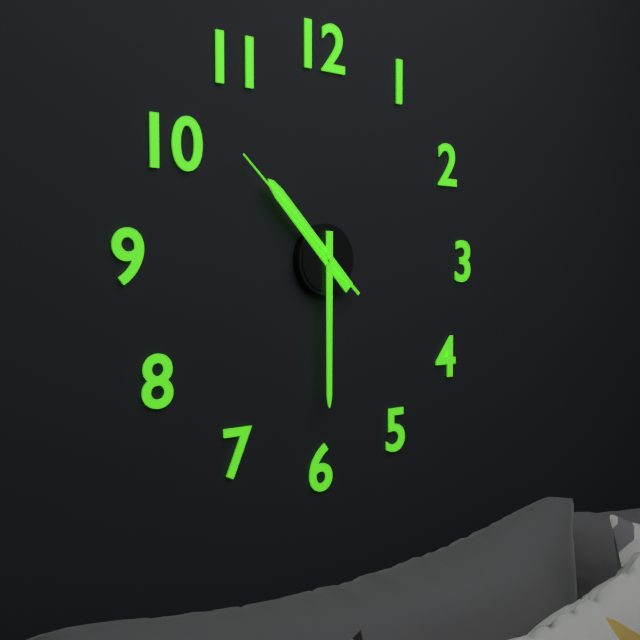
10:30:52
